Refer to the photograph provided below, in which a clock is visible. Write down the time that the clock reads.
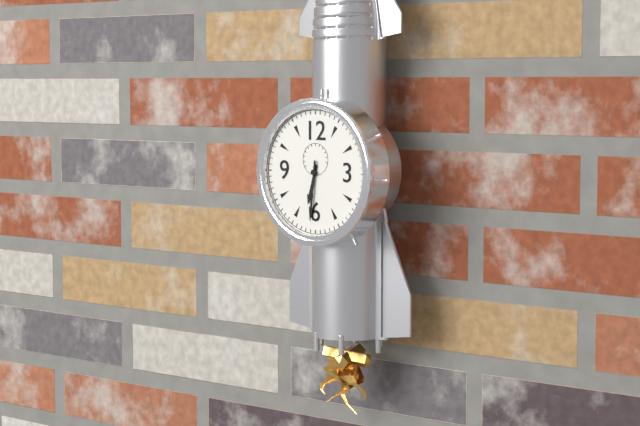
6:31
